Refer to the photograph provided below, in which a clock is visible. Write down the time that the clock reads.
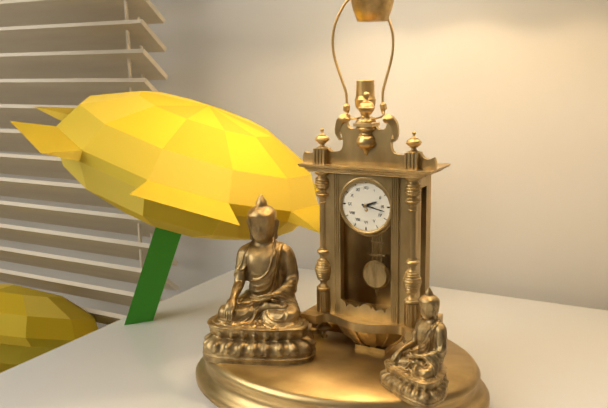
2:17
